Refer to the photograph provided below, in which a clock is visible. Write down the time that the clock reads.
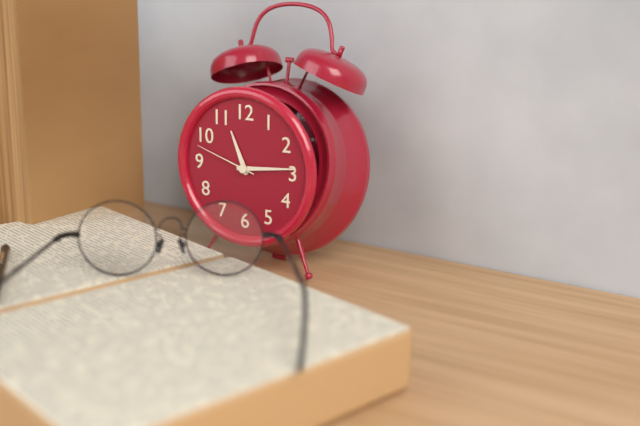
11:14:48
